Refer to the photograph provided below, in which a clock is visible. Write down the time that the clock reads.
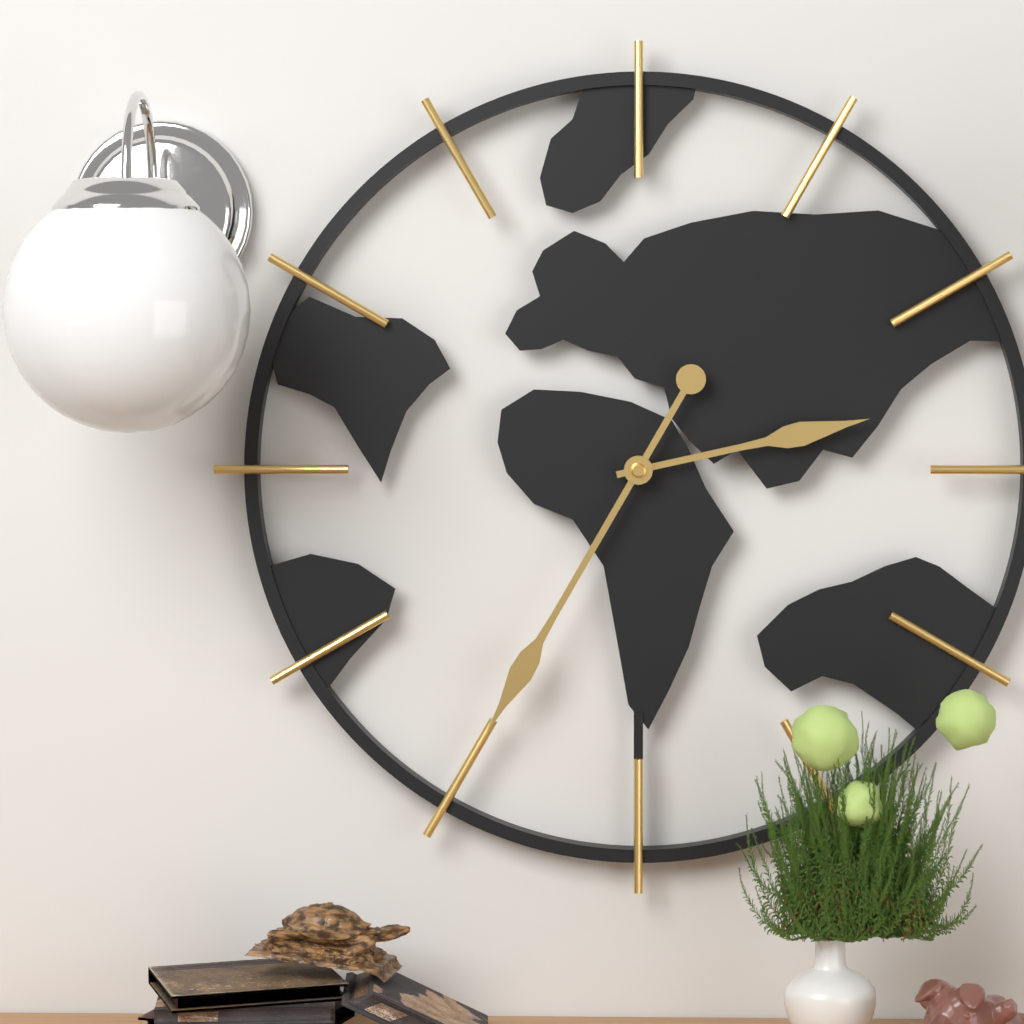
2:35
